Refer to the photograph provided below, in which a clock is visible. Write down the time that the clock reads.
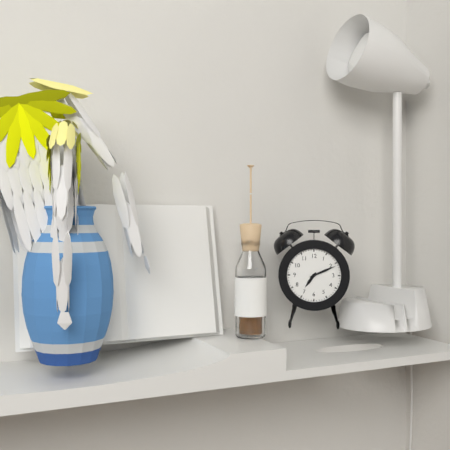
7:11
